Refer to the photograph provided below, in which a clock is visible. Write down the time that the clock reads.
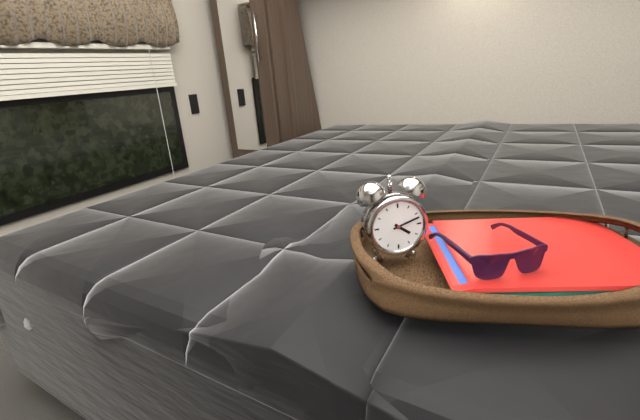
4:12
